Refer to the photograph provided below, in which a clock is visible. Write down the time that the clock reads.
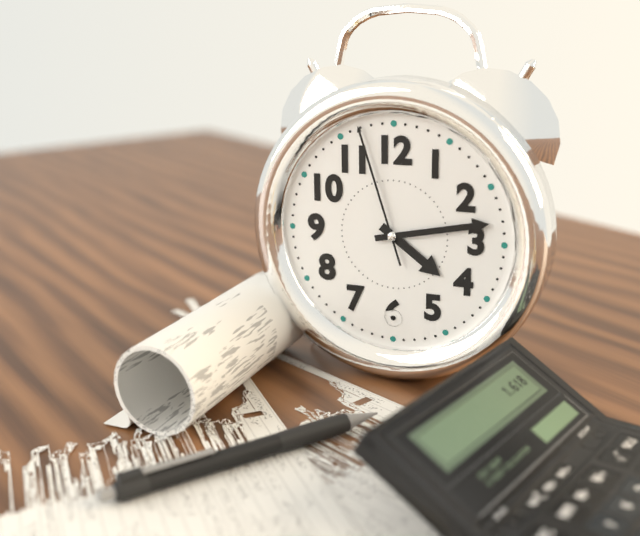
4:13:57
